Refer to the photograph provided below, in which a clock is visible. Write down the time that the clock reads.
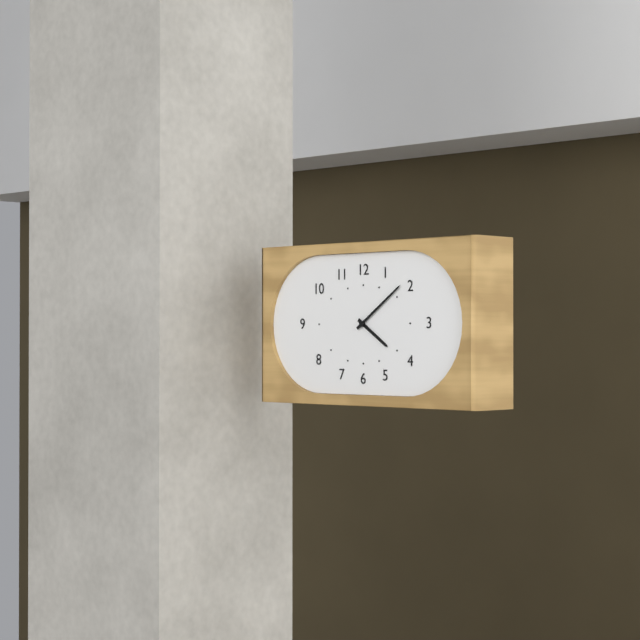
4:09
